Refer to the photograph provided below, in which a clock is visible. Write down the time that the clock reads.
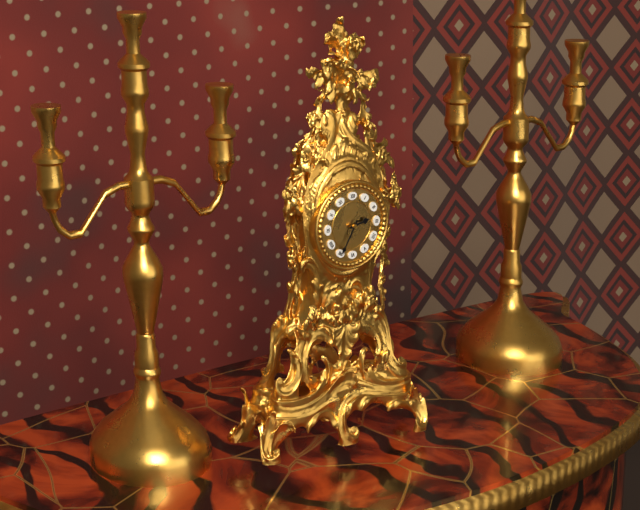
2:35
